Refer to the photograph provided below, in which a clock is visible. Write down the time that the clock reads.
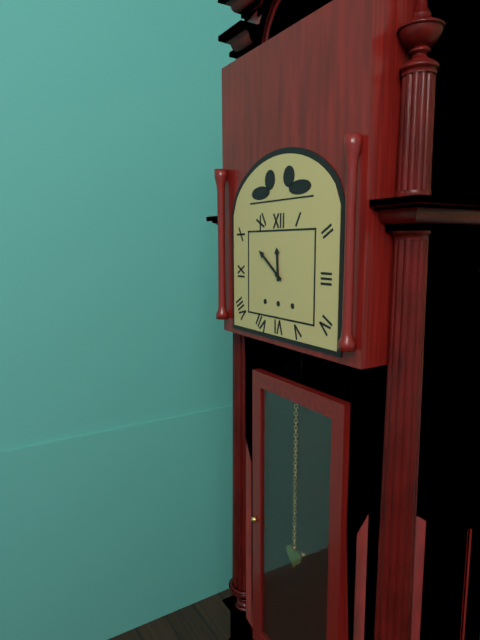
11:51
